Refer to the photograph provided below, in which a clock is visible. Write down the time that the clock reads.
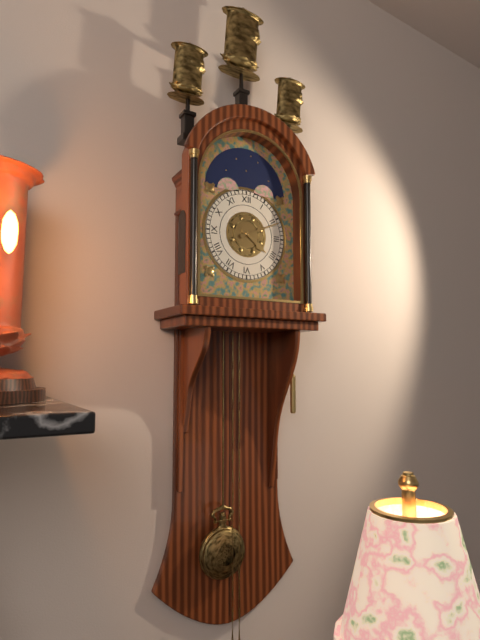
4:11
